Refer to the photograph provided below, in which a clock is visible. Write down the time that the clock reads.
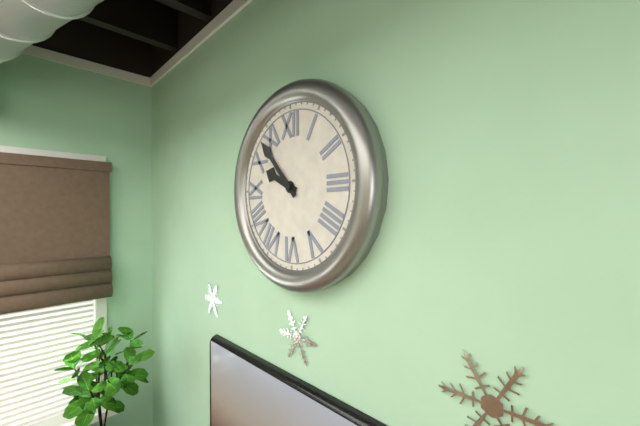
9:53
